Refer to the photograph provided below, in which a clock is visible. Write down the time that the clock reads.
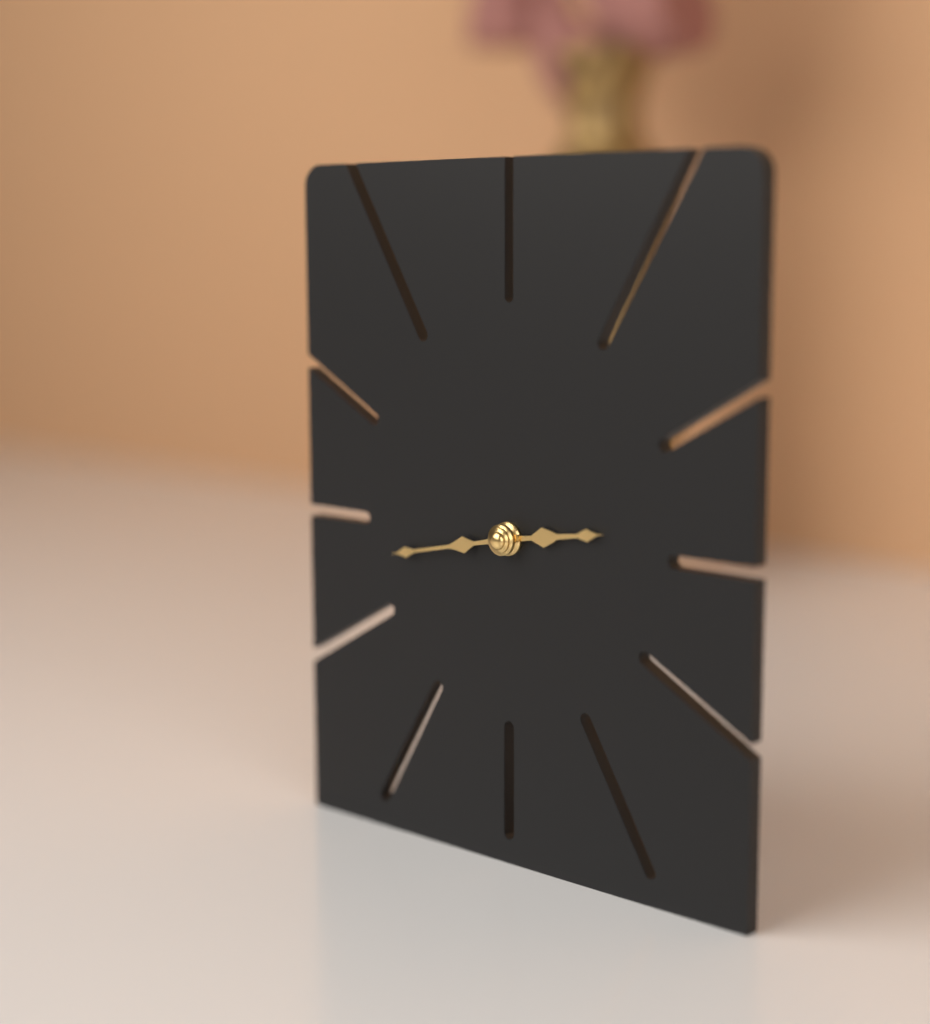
2:43
